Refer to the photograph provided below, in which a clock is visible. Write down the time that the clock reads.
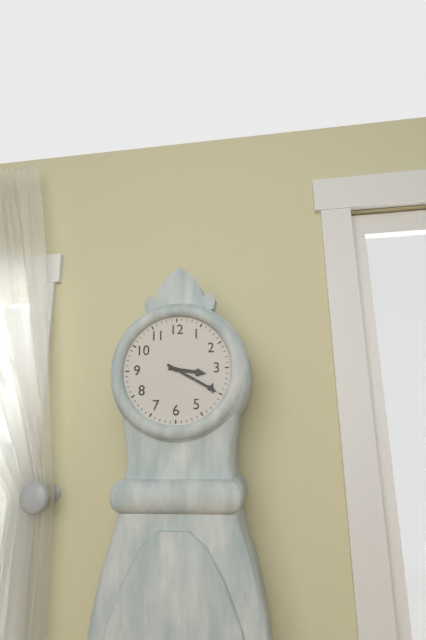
3:20
